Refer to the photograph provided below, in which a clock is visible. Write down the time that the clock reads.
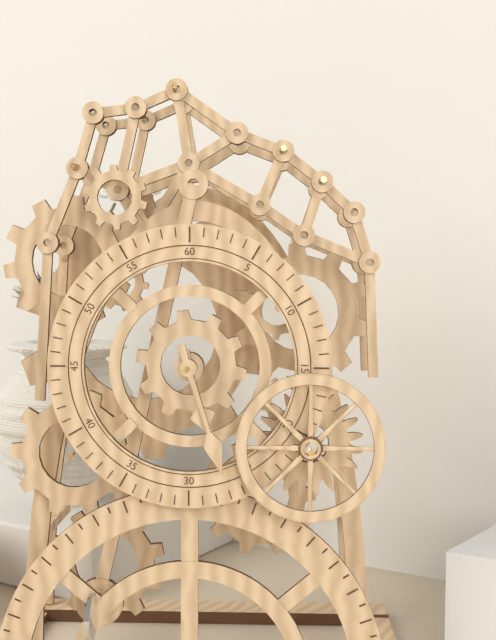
5:27
